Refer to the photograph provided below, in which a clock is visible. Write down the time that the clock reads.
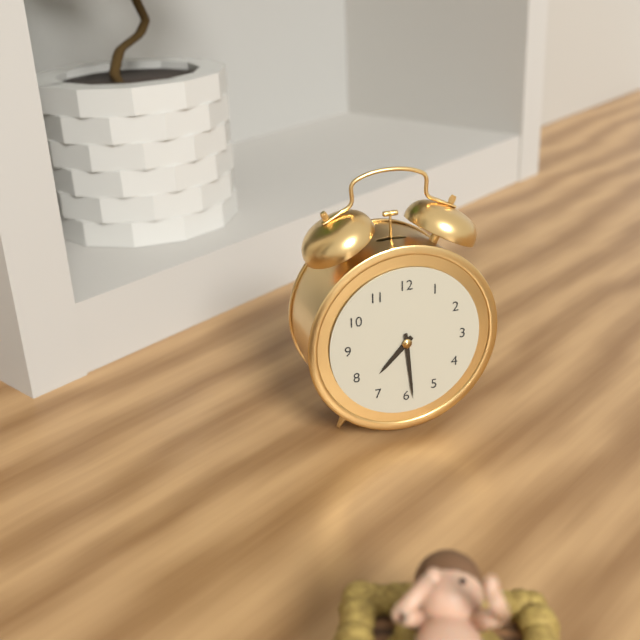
7:29
